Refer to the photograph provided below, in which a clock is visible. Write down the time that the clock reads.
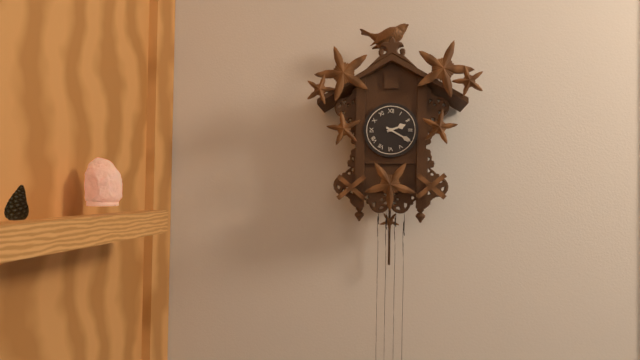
2:20
